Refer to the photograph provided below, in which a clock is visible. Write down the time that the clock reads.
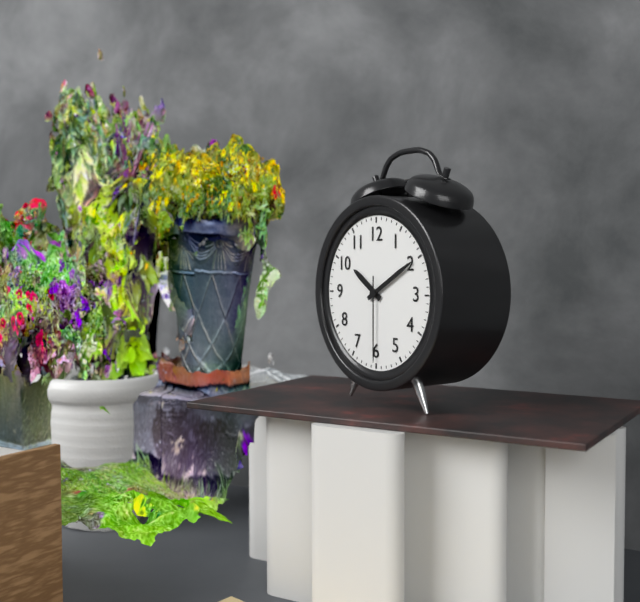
10:10:30
